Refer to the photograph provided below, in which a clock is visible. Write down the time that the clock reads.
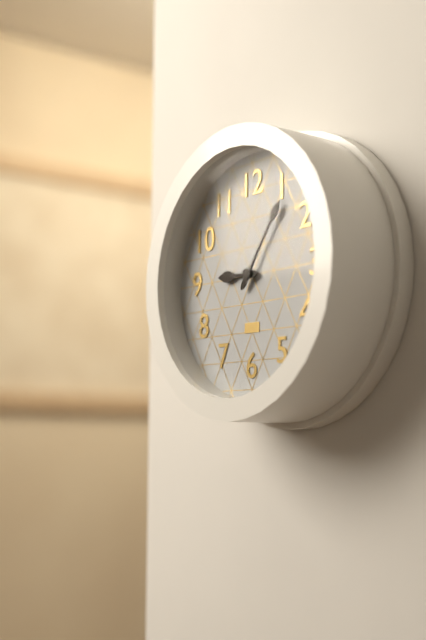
9:06
